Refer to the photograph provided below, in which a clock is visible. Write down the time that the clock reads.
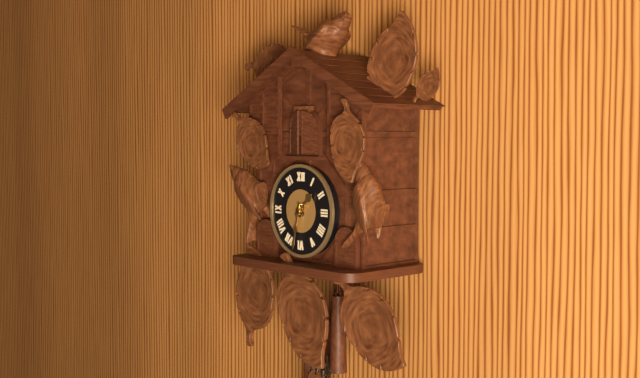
1:32
